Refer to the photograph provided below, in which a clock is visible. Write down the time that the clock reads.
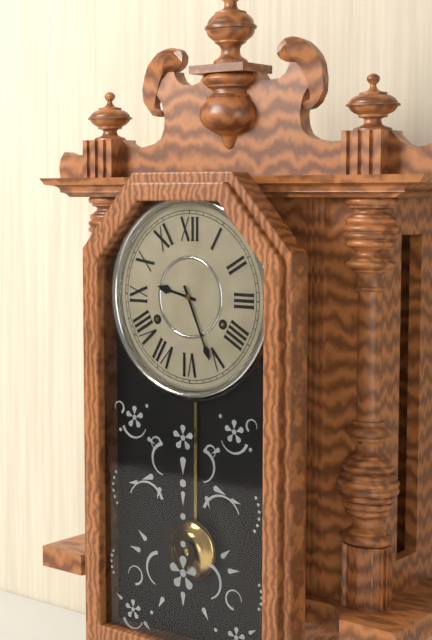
9:26
